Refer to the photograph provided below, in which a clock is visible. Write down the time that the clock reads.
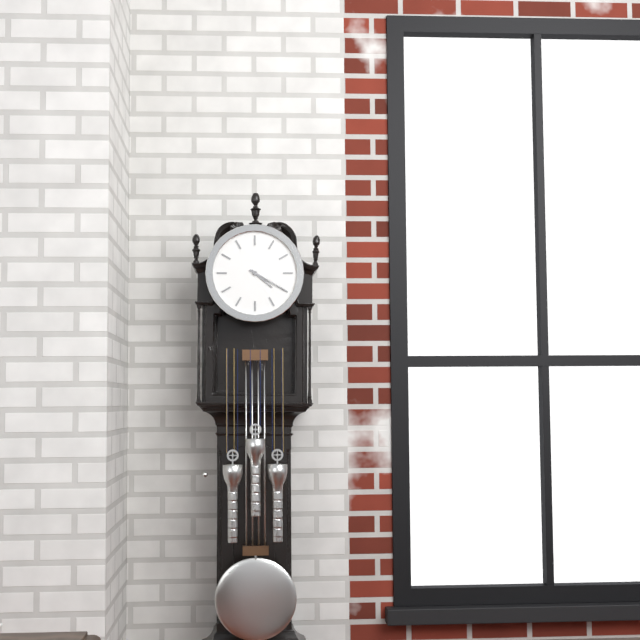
4:20
